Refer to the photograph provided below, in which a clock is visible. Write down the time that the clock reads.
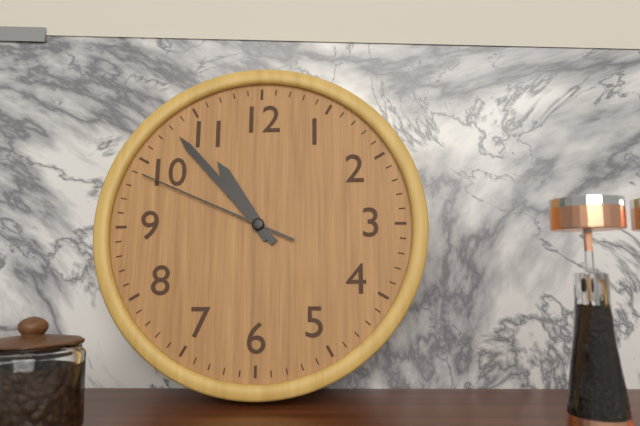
10:53:49
